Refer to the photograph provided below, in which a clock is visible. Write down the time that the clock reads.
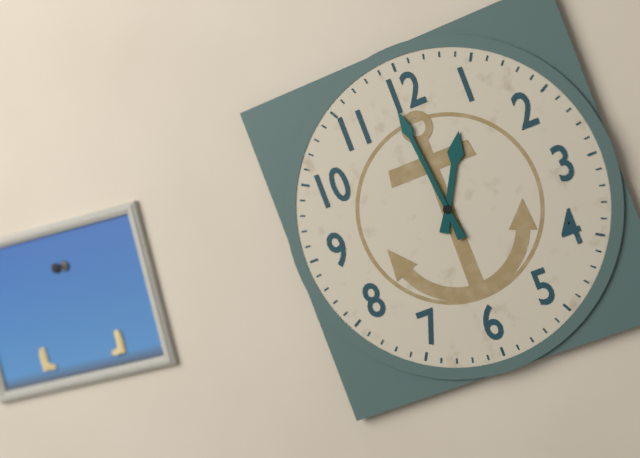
12:59
